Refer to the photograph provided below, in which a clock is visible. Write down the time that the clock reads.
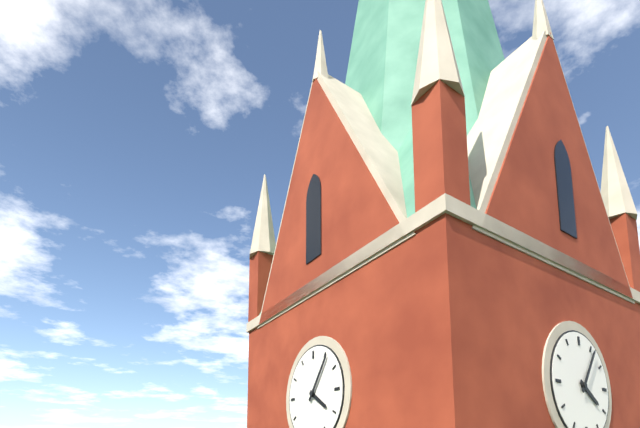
4:06
